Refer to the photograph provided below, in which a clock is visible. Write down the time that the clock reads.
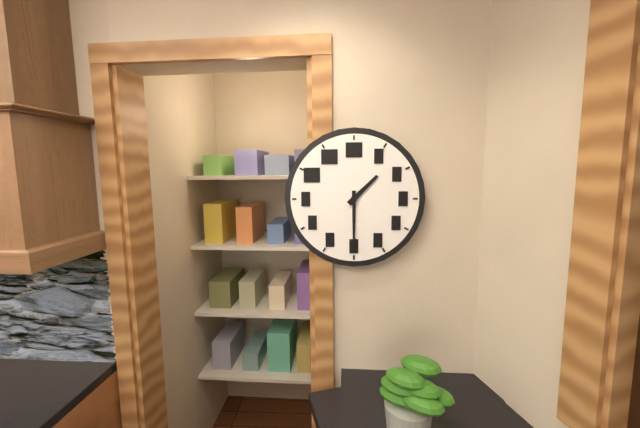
1:30
